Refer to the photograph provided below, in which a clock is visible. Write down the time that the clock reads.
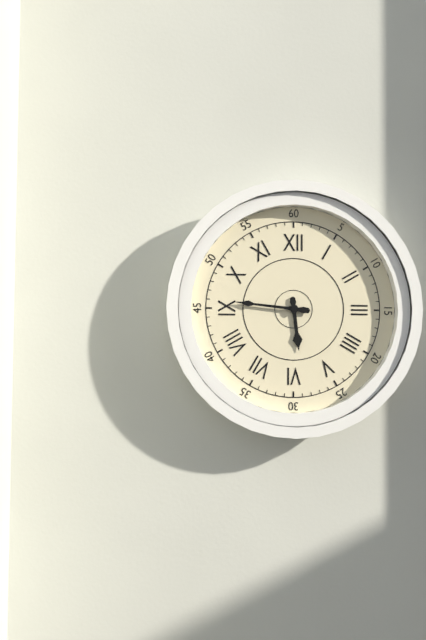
5:46
